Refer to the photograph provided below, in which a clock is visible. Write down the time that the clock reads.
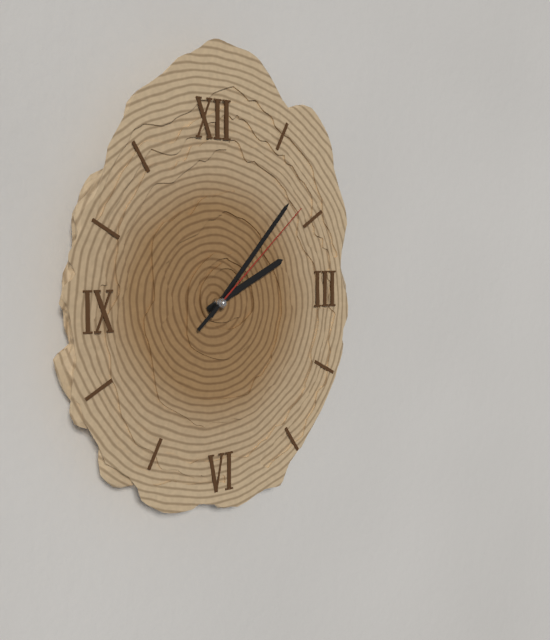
2:07:08
